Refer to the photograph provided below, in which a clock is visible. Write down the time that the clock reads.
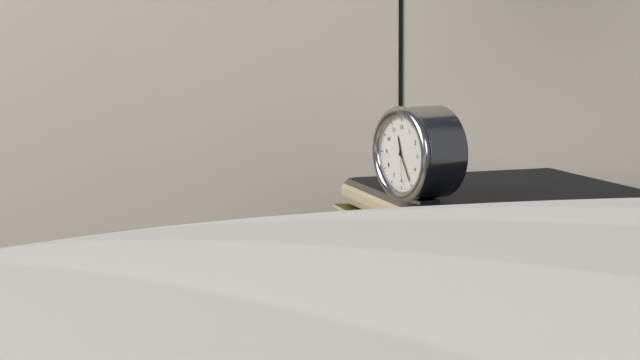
11:25
